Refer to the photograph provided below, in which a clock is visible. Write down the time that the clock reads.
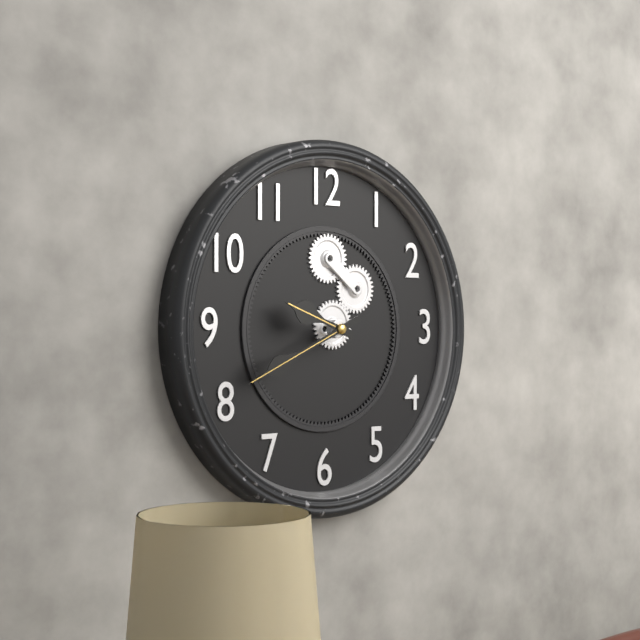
9:41
